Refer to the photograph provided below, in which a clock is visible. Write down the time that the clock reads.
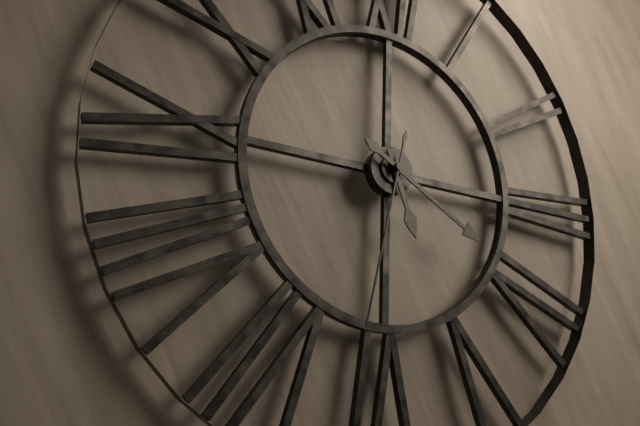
5:20:32
